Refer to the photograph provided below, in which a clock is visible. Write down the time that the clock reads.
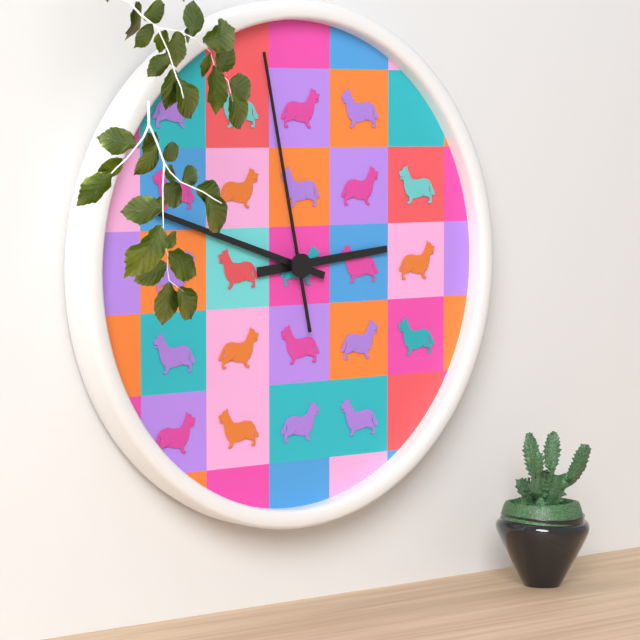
2:48:58
